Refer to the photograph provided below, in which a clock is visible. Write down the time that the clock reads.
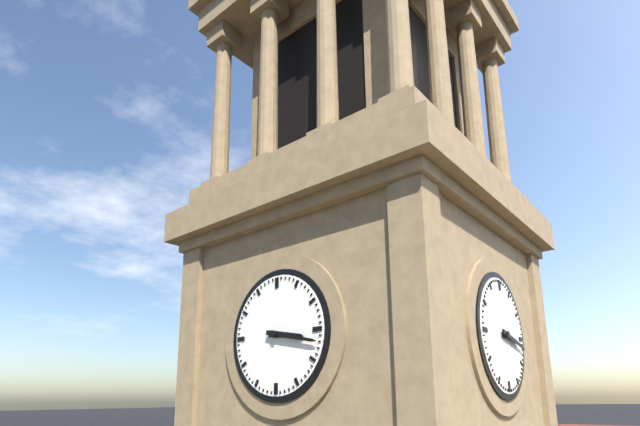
3:17
